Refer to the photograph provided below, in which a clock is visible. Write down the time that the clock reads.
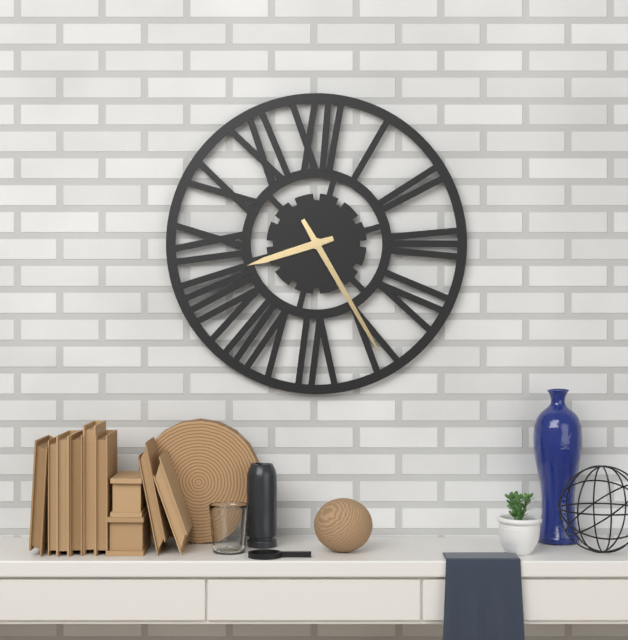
8:25
